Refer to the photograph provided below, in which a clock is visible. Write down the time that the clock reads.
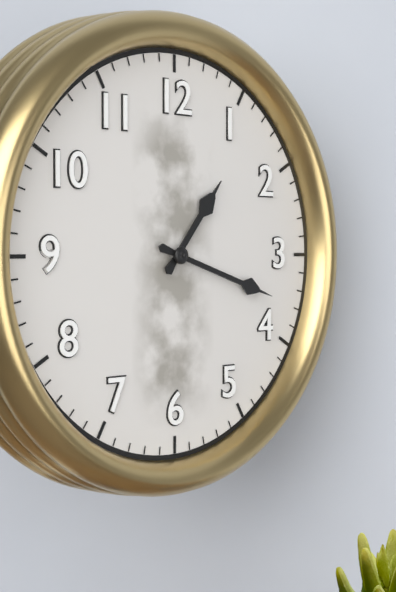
1:18
